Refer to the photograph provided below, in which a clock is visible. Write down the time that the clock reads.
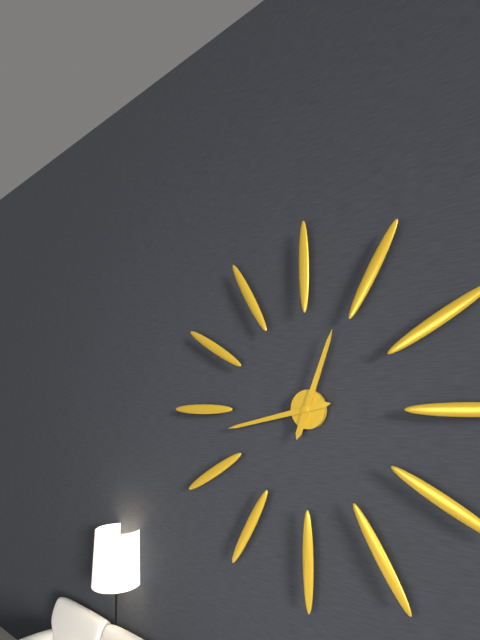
12:43
